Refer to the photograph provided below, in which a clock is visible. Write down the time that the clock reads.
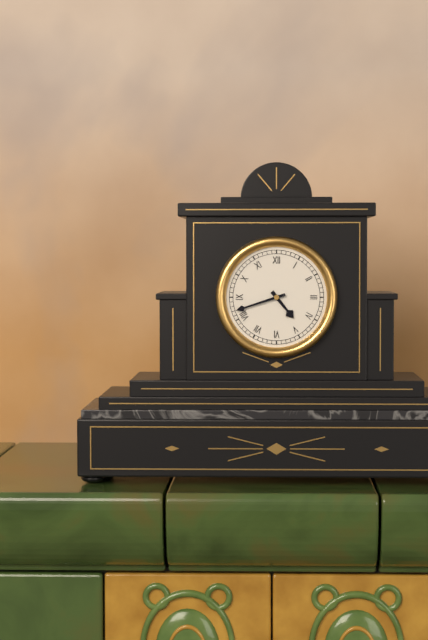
4:42
